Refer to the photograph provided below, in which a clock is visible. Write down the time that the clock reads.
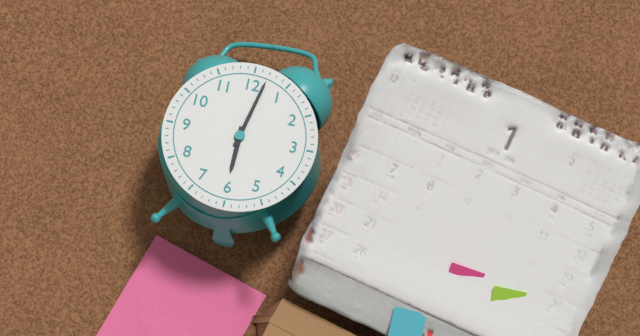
6:02
